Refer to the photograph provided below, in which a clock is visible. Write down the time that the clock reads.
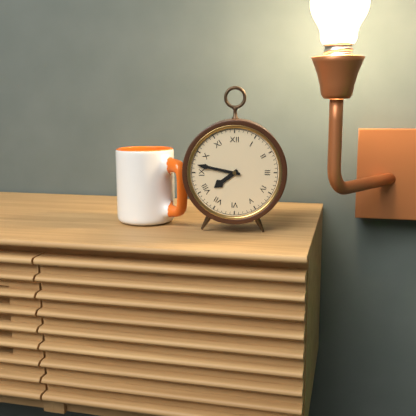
7:47
